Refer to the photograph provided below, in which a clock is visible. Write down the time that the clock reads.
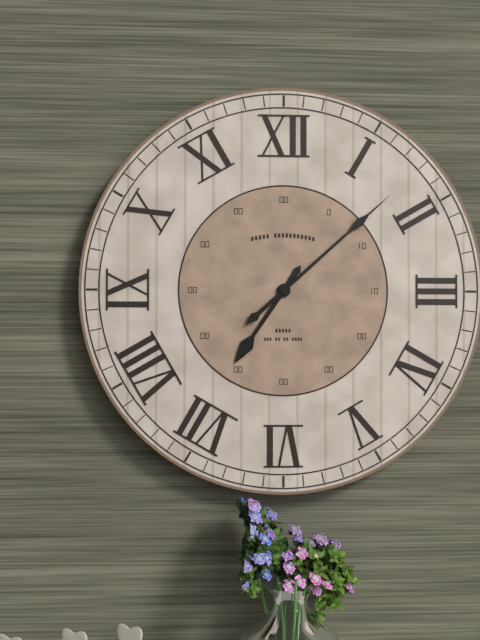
7:08
